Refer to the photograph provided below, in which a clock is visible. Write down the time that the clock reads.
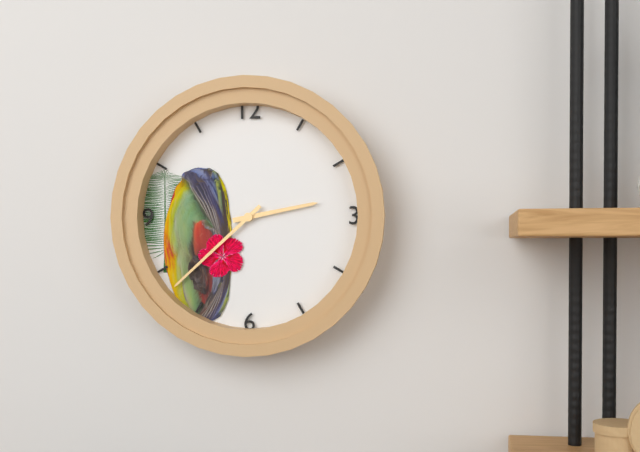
2:38
